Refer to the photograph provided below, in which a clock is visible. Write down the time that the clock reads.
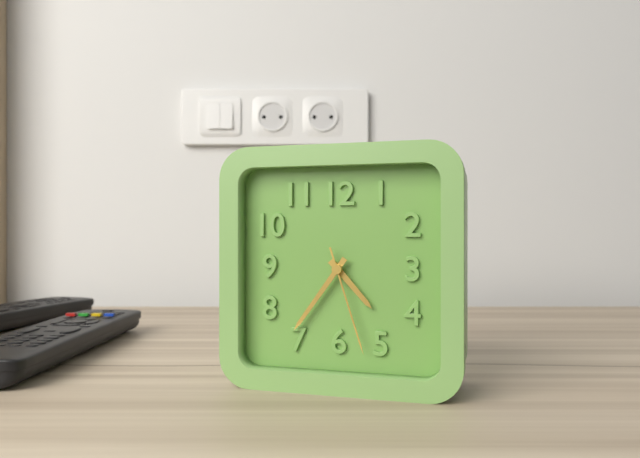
4:36:27
